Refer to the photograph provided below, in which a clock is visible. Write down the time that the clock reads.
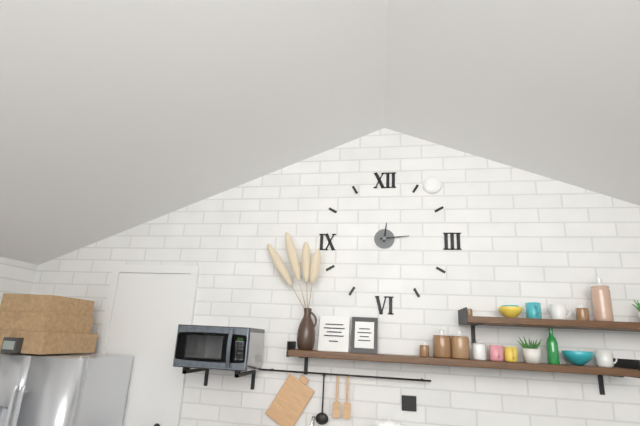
12:14
